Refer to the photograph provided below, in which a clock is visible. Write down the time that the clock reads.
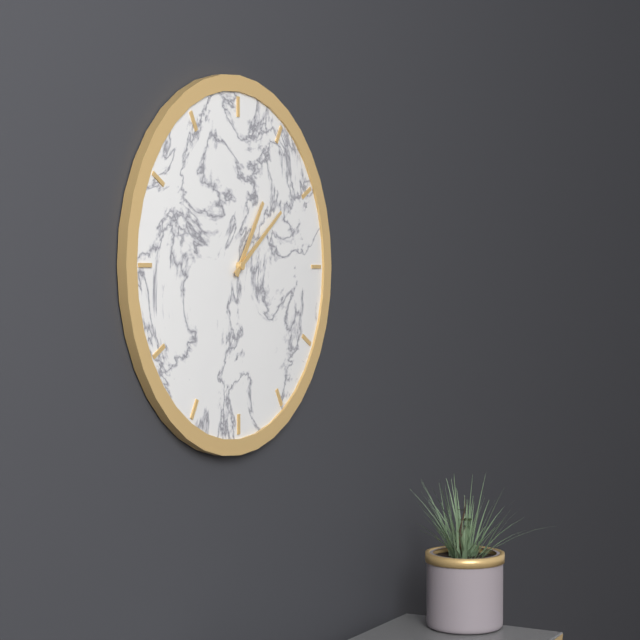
1:09
